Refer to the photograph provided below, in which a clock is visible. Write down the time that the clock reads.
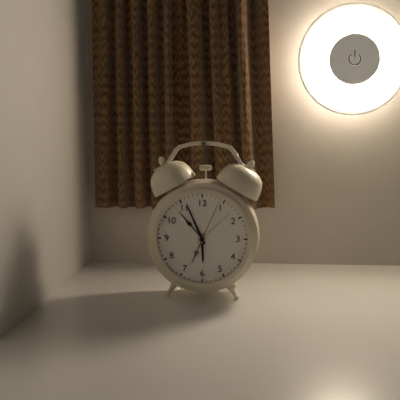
5:56:04
